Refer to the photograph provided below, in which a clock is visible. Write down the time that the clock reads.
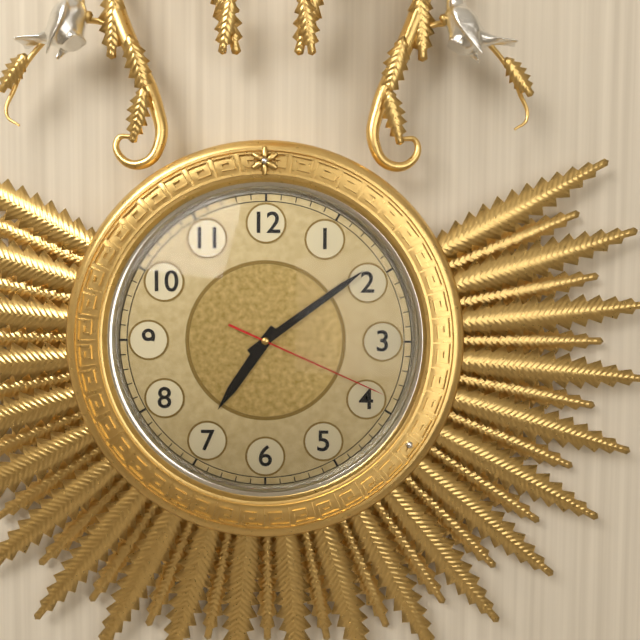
7:09:19
